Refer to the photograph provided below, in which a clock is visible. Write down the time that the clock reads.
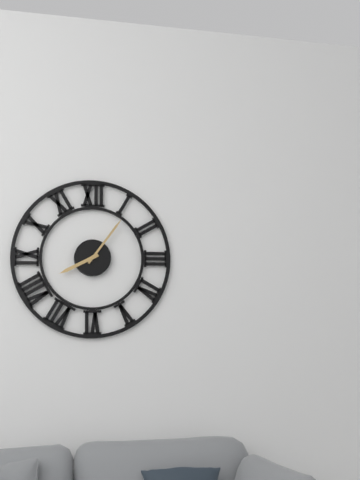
8:06
